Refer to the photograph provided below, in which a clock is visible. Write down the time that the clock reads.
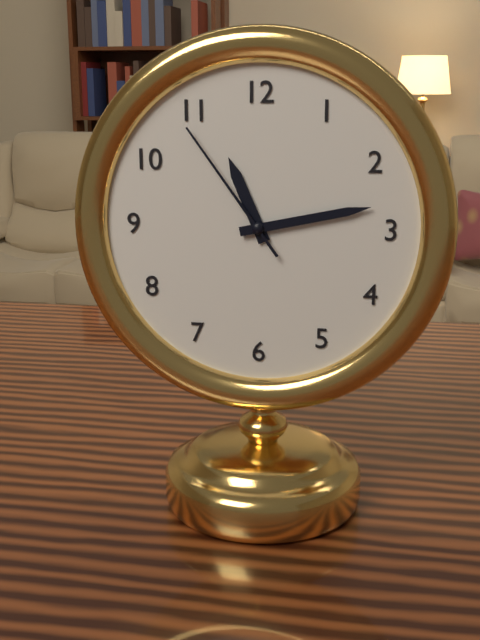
11:13:54
